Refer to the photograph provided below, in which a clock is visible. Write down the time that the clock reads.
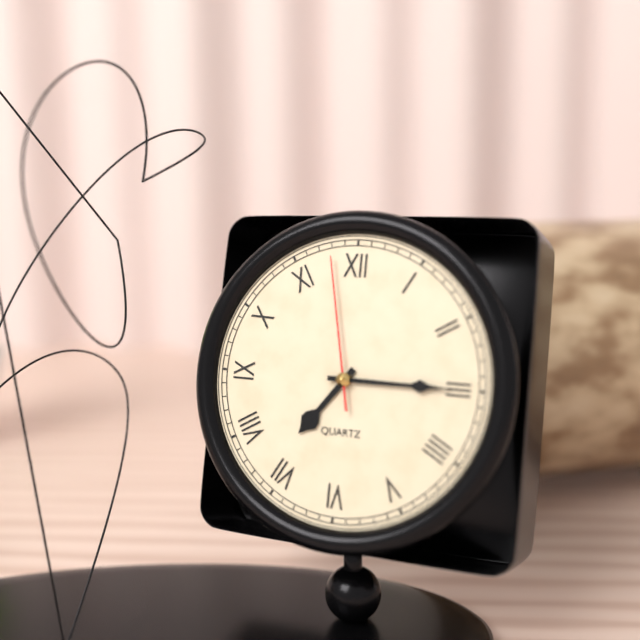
7:15:58
